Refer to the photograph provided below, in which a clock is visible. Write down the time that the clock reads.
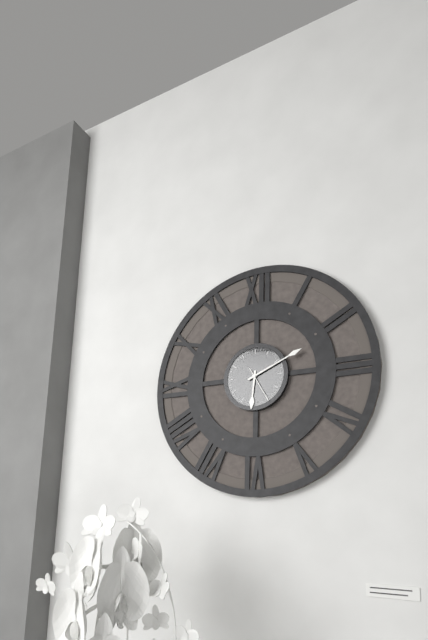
6:11
